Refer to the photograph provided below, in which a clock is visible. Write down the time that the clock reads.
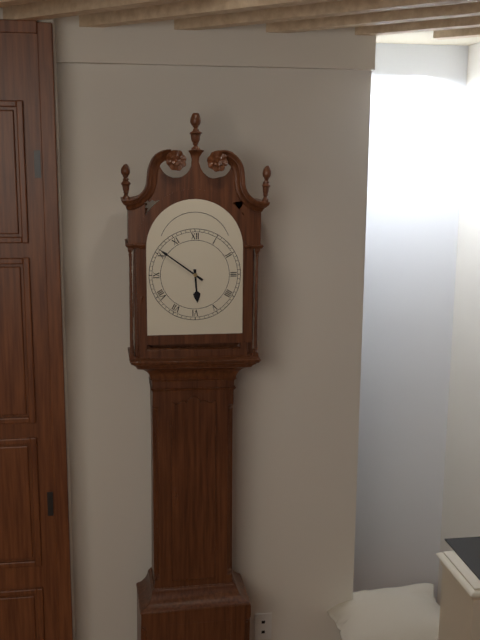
5:51
